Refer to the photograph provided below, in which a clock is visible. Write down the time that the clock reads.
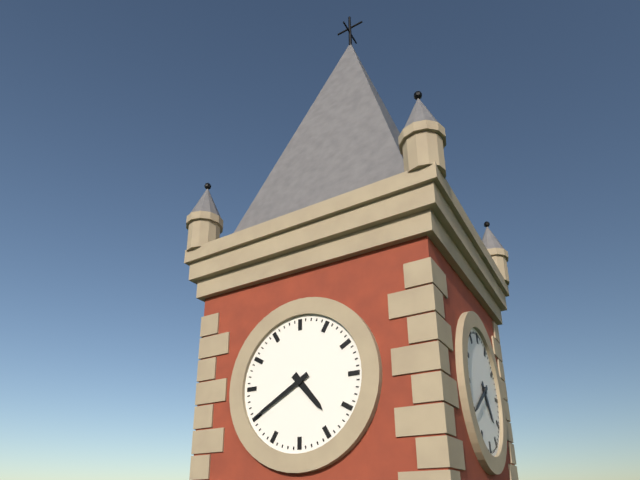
4:40
